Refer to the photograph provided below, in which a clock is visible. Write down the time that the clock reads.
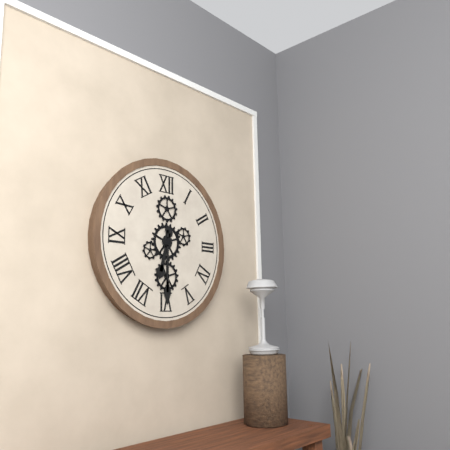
6:30
